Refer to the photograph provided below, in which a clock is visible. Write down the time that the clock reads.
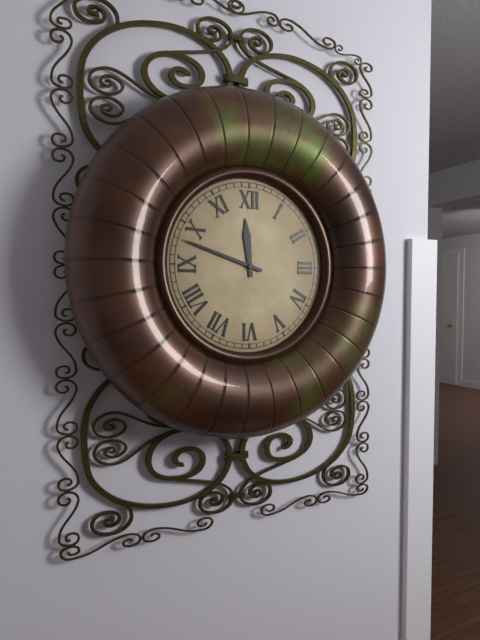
11:48
